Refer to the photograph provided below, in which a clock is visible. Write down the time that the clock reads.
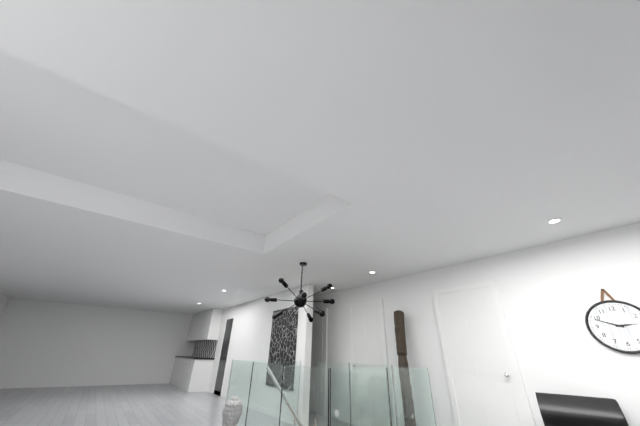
2:49
